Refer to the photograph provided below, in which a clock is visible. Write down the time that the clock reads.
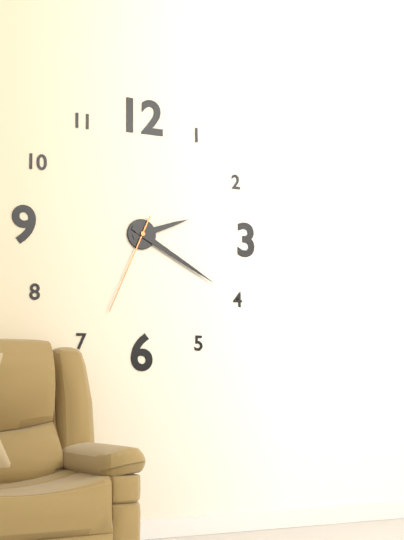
2:20:34
